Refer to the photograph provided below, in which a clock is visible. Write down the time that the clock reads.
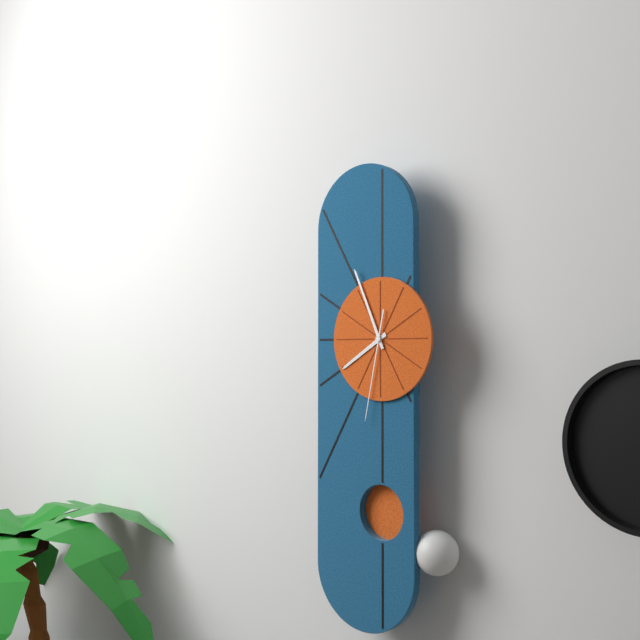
7:56:32
